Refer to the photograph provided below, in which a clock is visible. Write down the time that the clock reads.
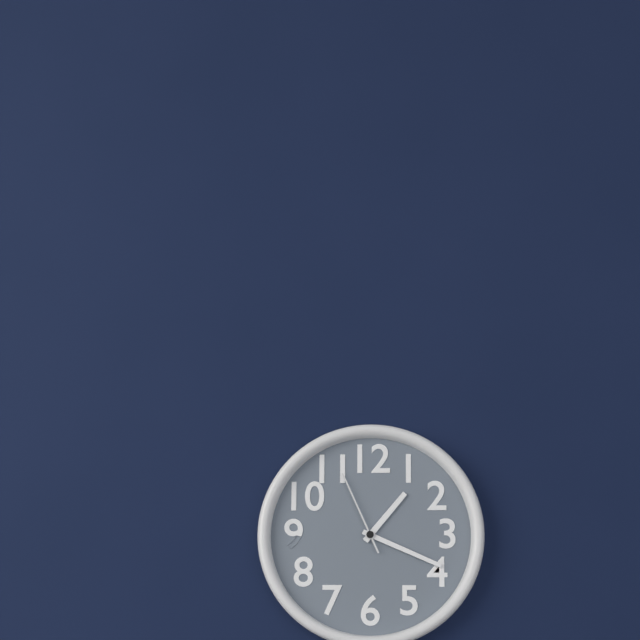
1:19:56
